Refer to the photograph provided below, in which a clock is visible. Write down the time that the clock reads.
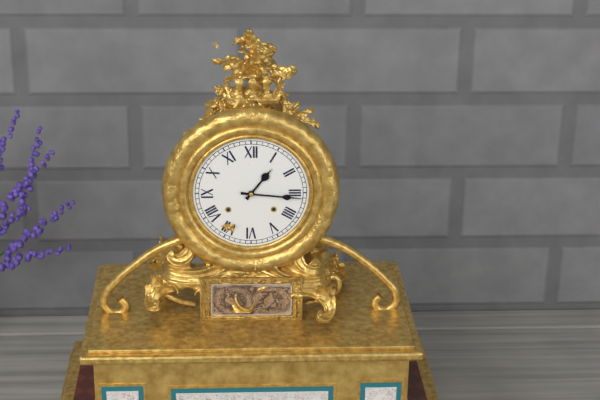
1:16
